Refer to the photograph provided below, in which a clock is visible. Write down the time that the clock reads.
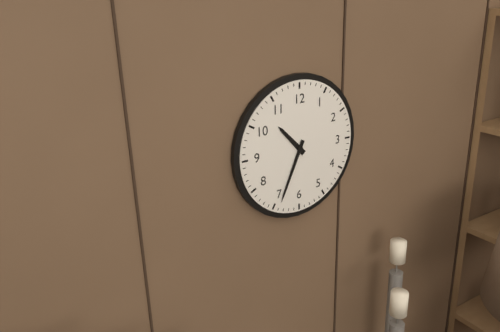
10:34
